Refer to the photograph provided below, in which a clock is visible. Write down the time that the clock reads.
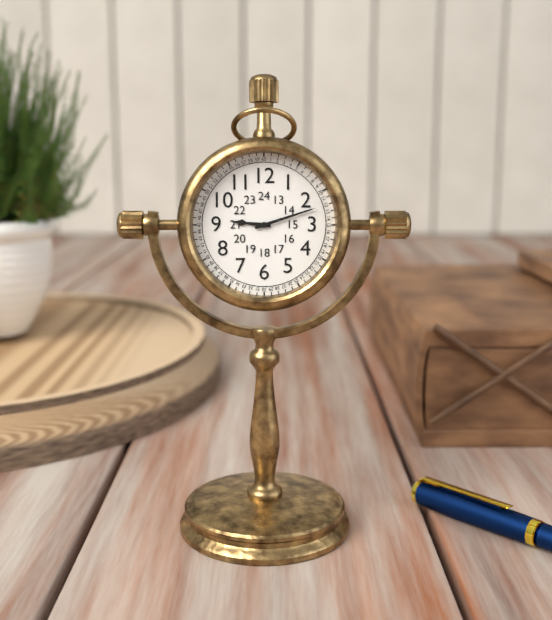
9:12
